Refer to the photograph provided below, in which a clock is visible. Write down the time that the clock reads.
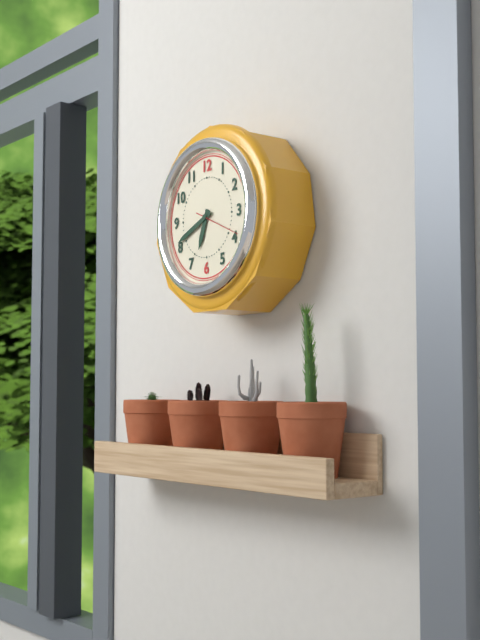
6:41
